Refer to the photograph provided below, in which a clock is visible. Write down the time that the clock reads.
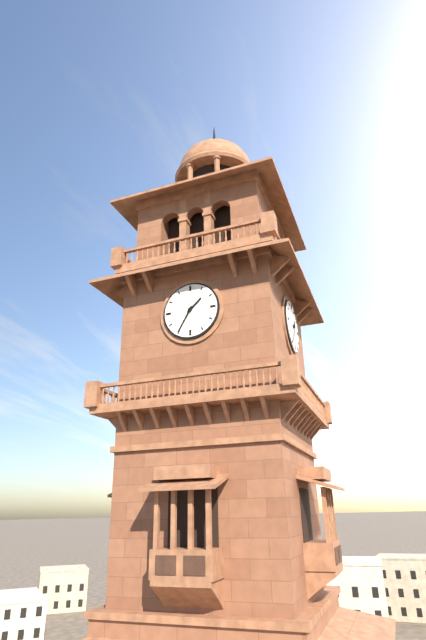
1:35
